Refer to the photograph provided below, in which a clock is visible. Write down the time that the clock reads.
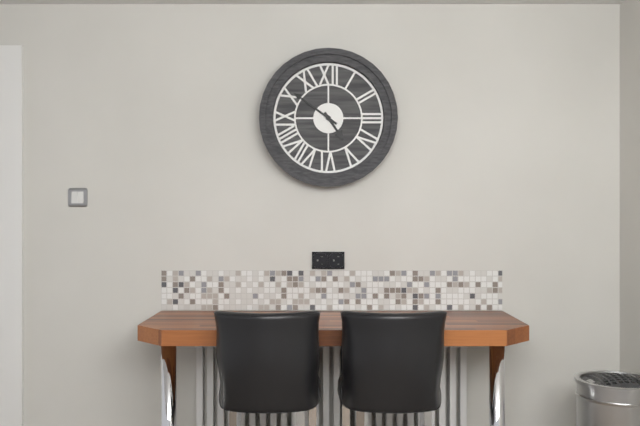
4:51
